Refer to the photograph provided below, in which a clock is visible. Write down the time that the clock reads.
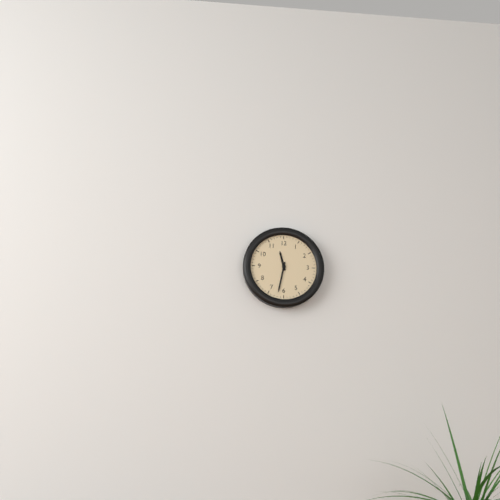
11:32
